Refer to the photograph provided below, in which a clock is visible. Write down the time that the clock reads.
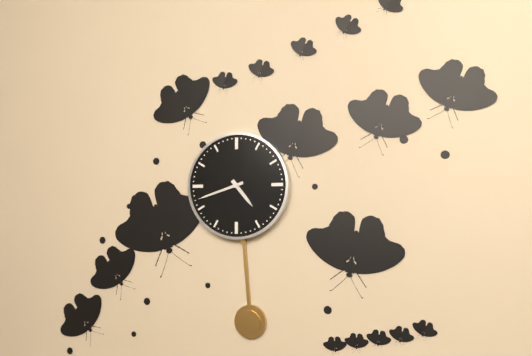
4:42
